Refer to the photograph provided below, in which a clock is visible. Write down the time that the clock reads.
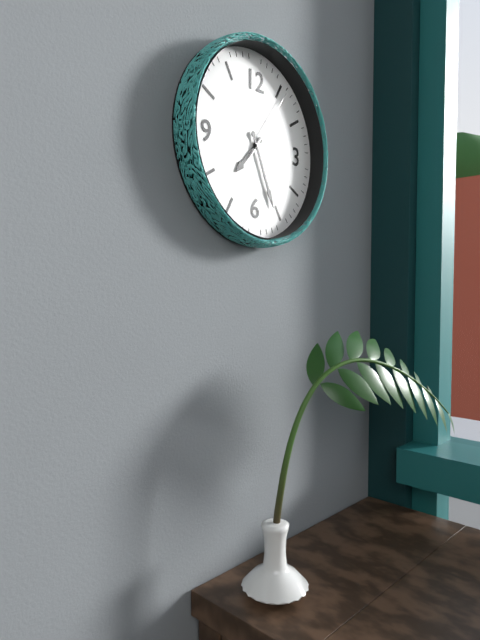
7:26:06
